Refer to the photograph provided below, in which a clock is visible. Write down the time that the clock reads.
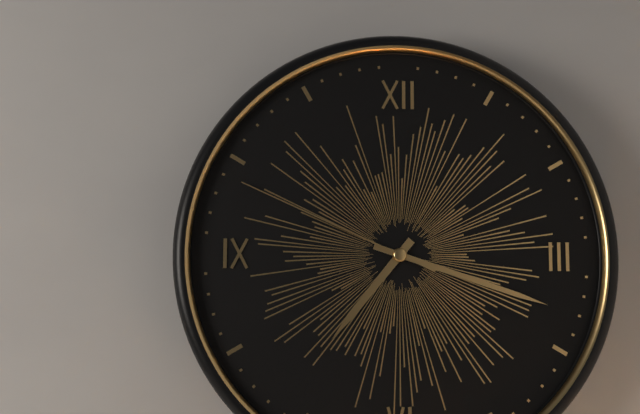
7:18:49
